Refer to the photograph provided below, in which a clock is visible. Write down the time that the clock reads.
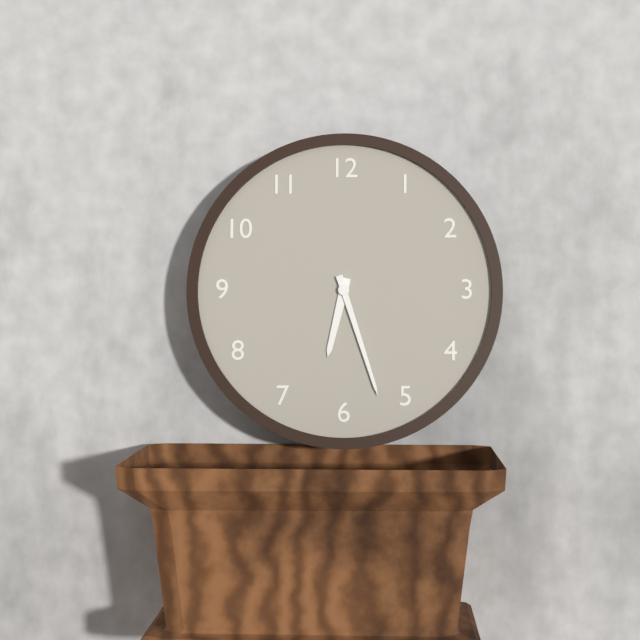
6:27
